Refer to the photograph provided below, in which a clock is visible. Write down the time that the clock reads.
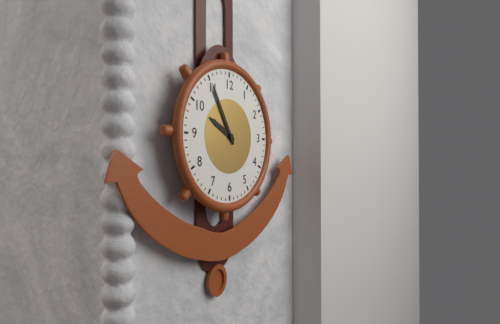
9:55
